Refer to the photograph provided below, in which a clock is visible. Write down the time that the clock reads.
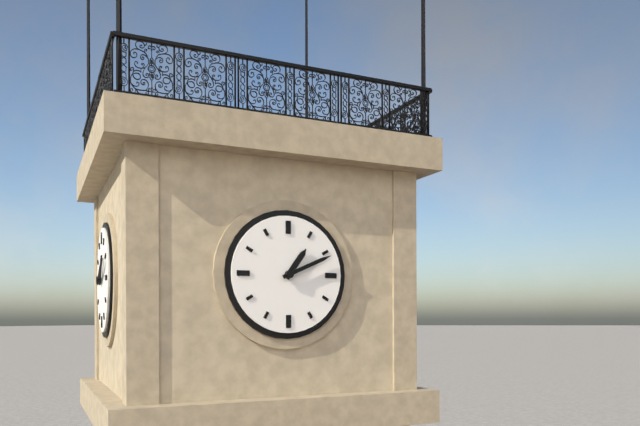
1:11
